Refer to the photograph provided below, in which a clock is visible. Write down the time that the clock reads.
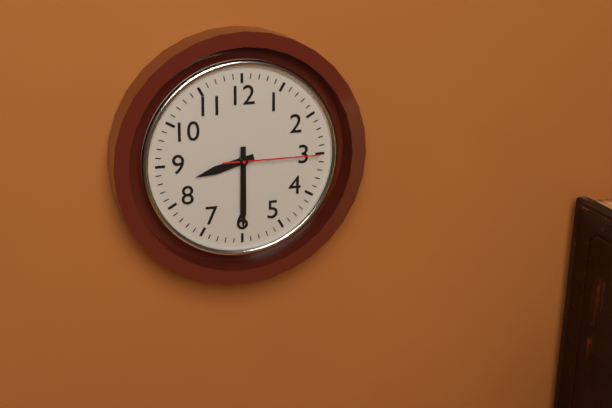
8:30:15
